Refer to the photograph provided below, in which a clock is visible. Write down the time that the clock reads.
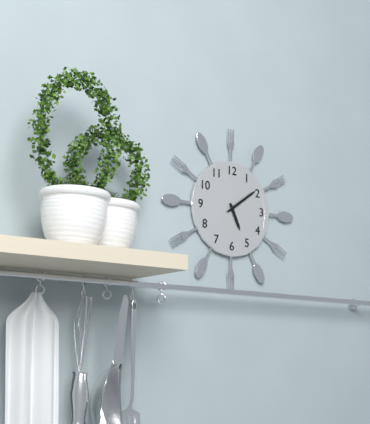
5:09
